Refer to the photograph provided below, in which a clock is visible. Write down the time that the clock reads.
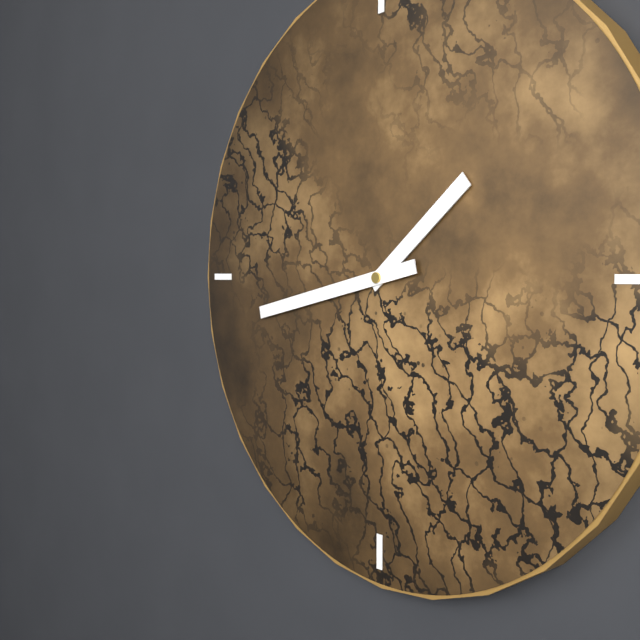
1:43
